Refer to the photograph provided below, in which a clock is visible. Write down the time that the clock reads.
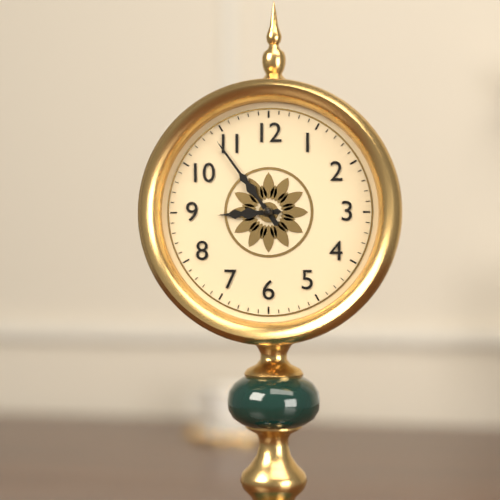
8:54
